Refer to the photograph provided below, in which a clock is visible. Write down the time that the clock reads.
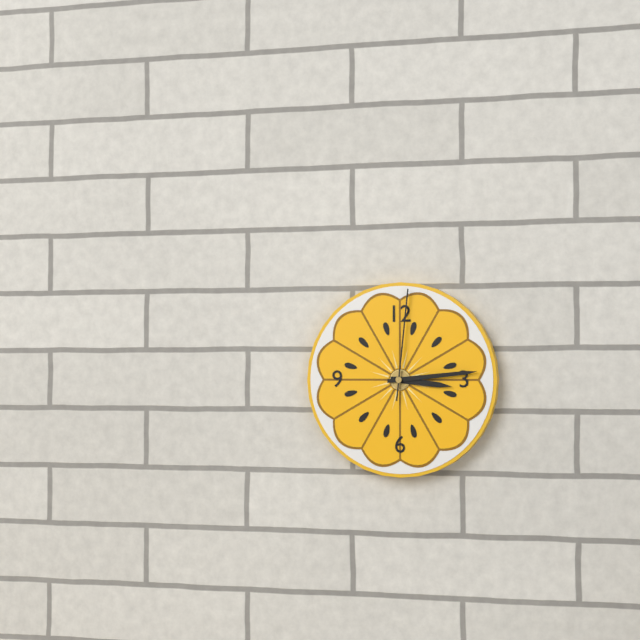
3:14:01
